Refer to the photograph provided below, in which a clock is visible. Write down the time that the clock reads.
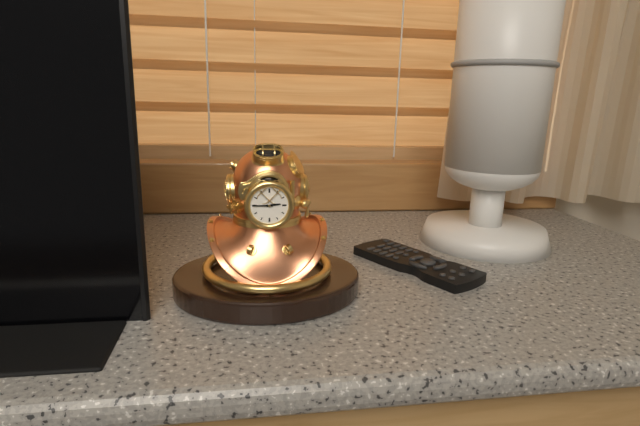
2:45
